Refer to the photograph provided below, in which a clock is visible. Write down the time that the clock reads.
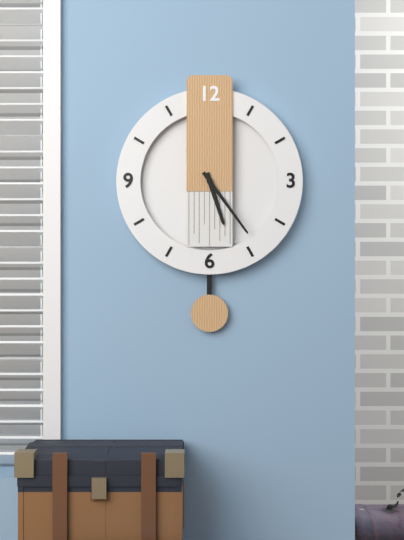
5:24
